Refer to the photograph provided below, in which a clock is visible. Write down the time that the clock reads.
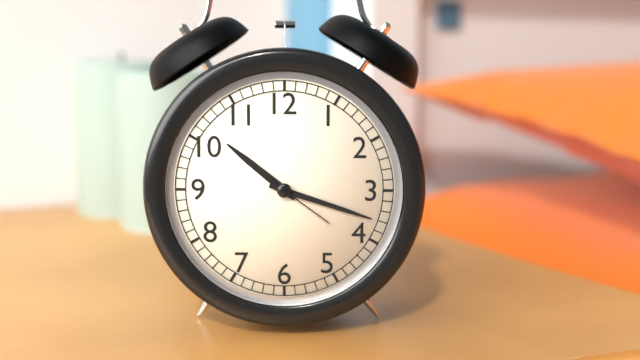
10:18:21
